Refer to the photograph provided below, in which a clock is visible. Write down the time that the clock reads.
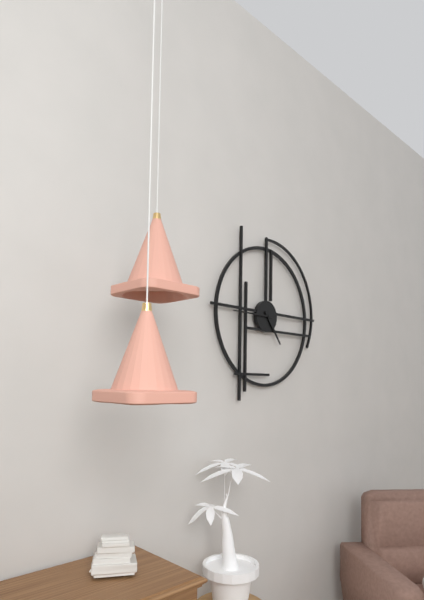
4:45
